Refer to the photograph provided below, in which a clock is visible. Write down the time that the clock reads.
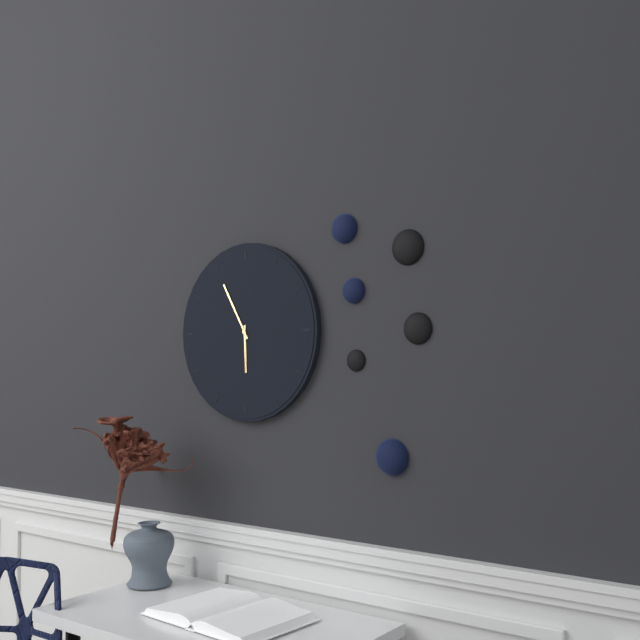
5:55
